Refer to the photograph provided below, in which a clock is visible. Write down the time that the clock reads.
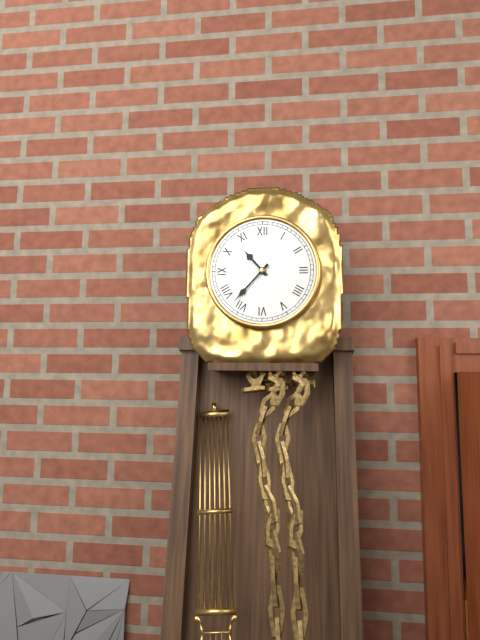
10:37
